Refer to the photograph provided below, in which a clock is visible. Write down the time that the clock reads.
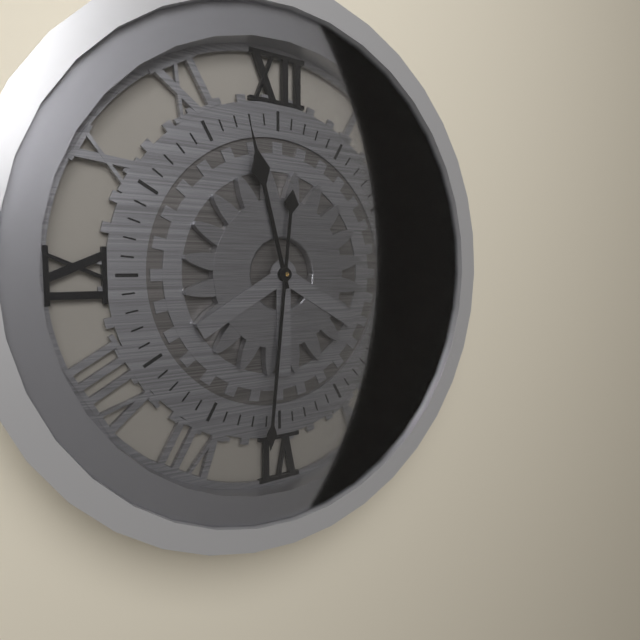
11:31
